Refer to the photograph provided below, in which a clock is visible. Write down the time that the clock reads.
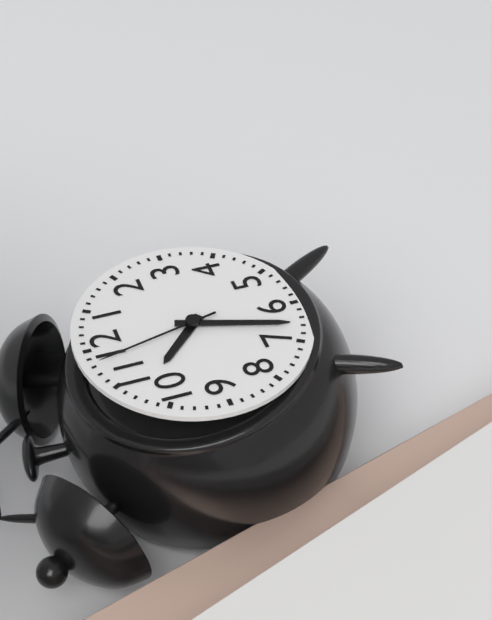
10:33:58
